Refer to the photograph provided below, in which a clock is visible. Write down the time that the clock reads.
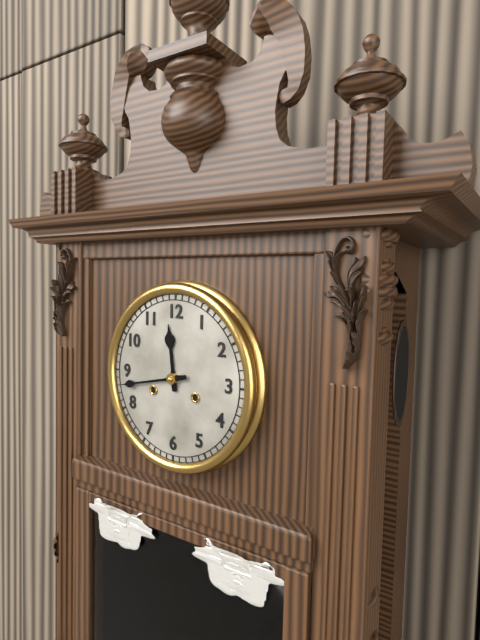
11:43
